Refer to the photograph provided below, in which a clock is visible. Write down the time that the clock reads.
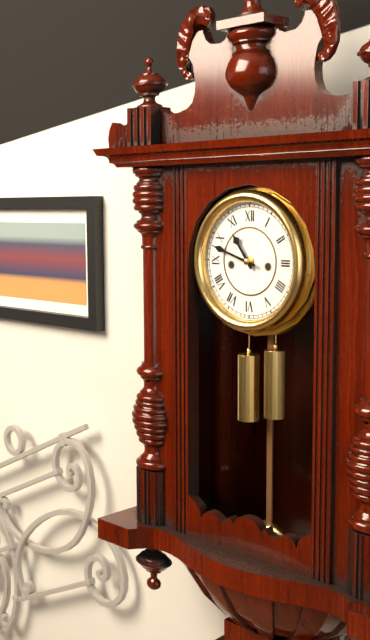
10:48
